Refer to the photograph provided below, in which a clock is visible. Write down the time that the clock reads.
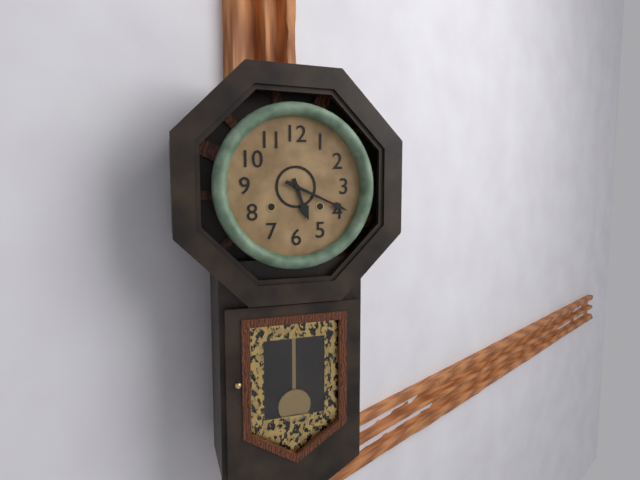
5:19
